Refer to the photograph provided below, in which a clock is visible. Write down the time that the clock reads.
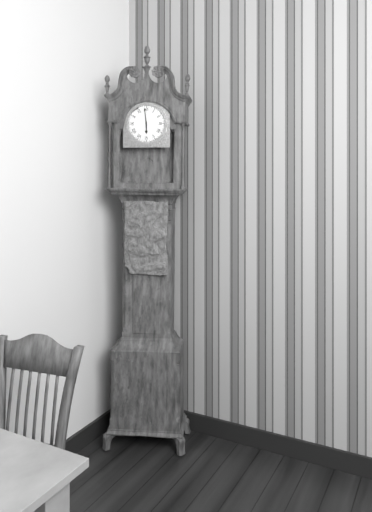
5:59
